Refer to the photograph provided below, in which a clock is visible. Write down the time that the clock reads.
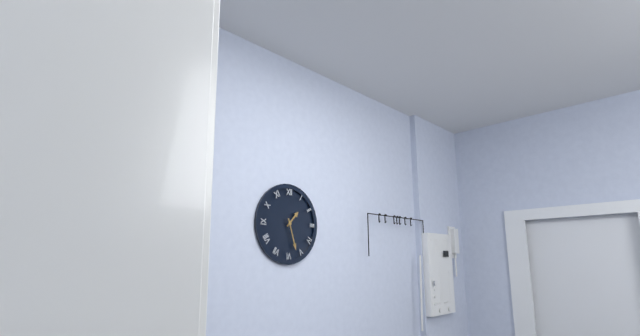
1:27
